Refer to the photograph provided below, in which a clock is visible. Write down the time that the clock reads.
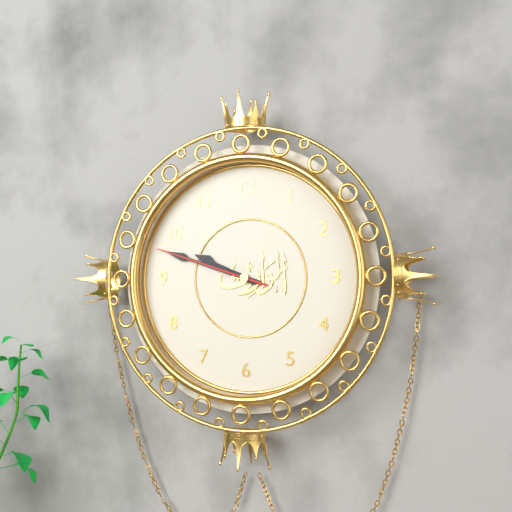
9:48:48
